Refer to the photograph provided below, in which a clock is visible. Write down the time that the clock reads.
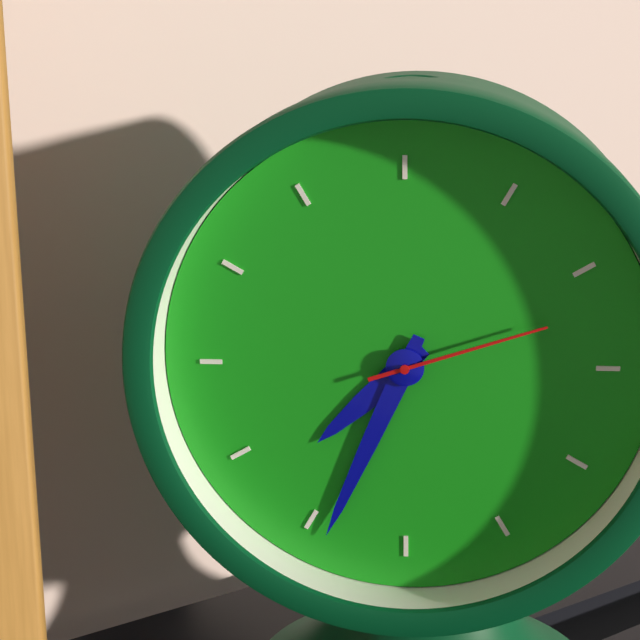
7:34:12
